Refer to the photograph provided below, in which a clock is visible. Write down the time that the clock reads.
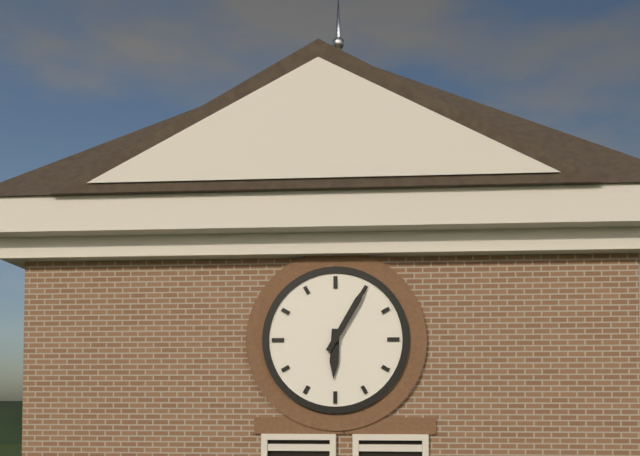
6:05
